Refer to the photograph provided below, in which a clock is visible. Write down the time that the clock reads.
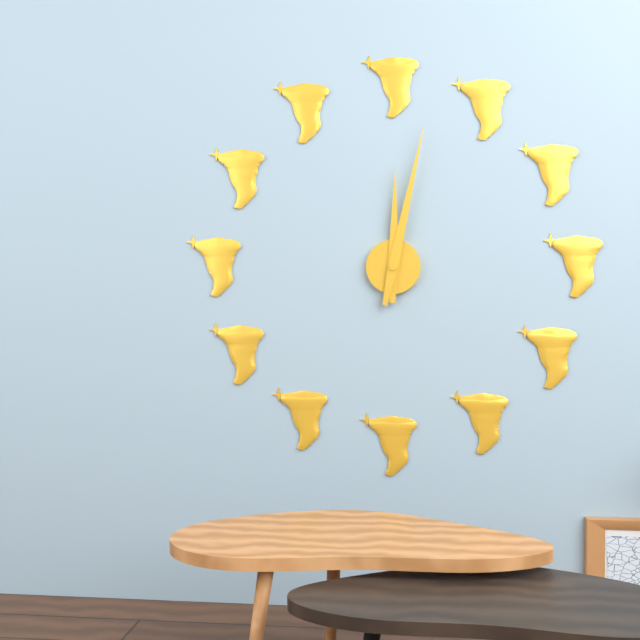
12:02
